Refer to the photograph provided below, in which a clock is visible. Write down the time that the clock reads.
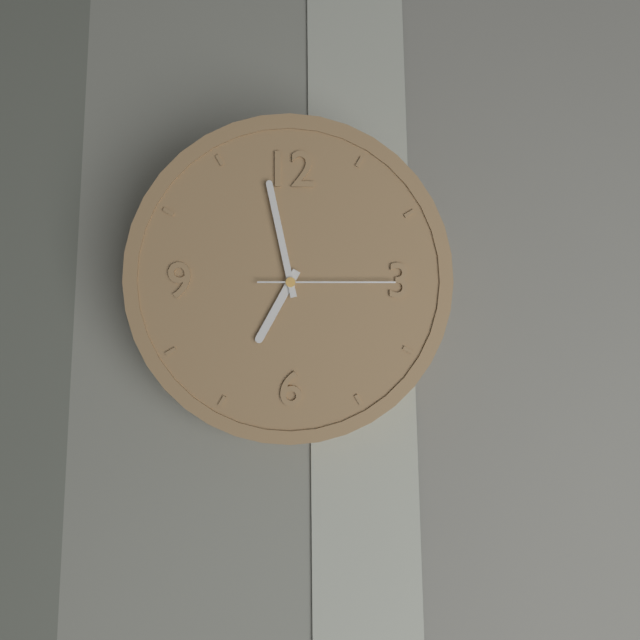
6:58:15
